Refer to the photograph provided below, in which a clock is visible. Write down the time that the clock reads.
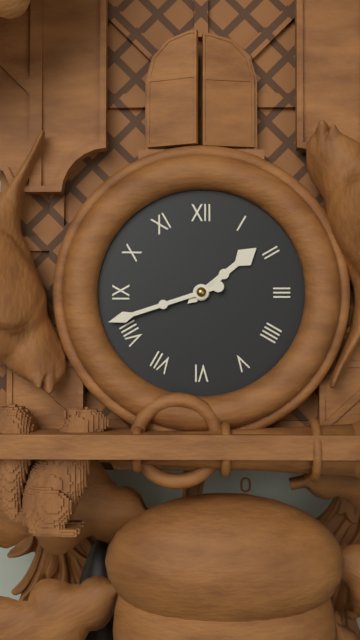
1:42
